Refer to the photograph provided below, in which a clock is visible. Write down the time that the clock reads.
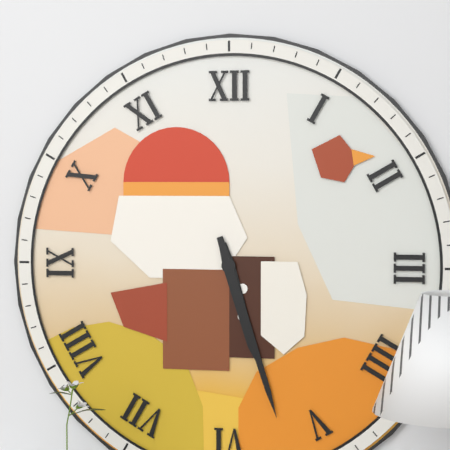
5:27
